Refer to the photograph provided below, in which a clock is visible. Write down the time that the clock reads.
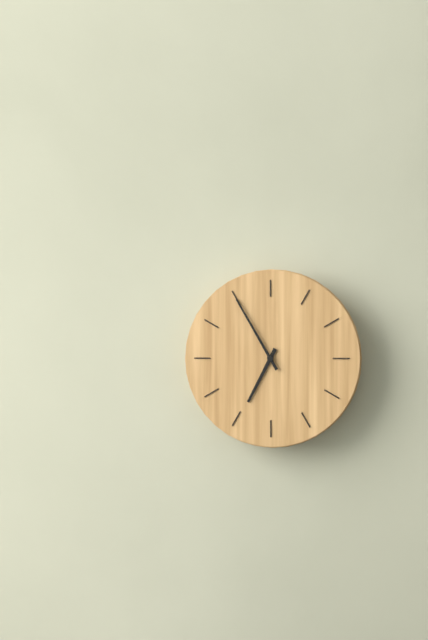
6:55
